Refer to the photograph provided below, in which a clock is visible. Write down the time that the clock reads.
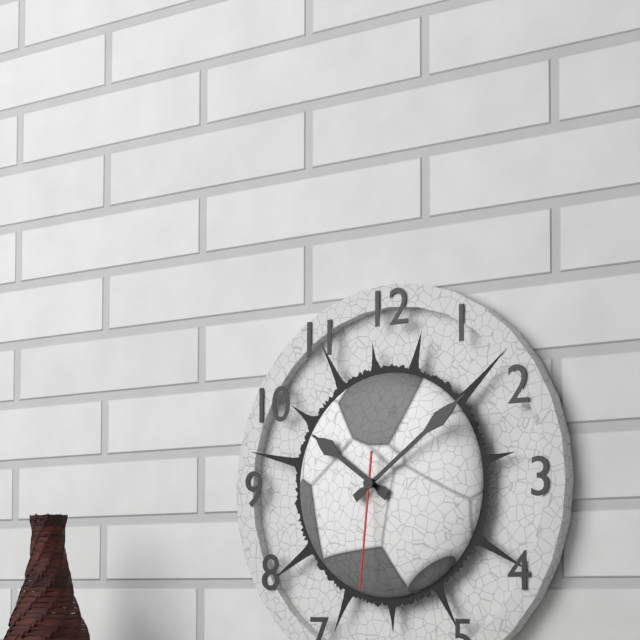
10:09:31
